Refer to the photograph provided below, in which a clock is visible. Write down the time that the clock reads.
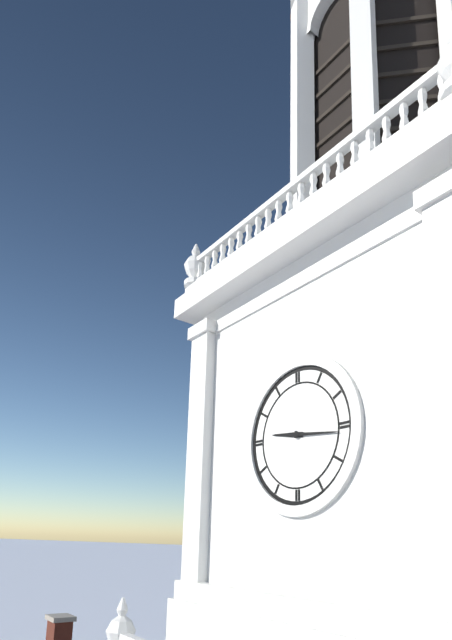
9:16
